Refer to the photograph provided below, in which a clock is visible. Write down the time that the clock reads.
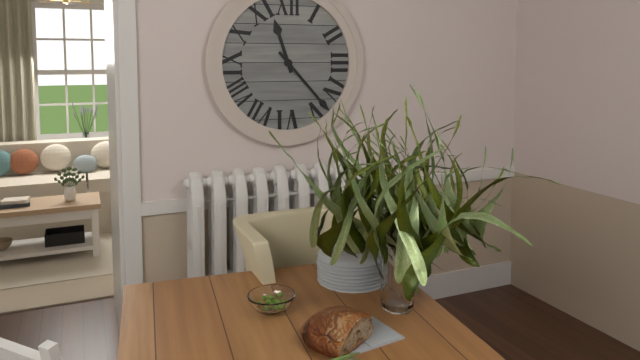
11:23
